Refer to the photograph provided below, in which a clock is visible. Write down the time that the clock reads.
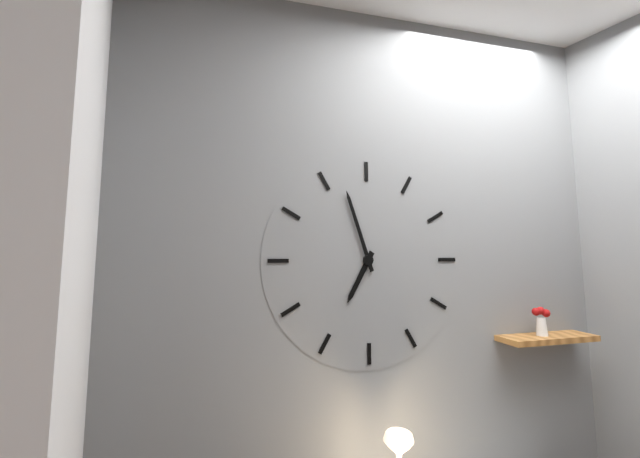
6:57
